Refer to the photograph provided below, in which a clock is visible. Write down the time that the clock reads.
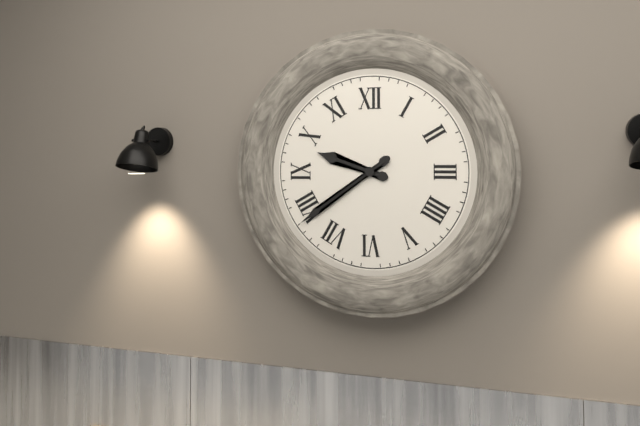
9:39
